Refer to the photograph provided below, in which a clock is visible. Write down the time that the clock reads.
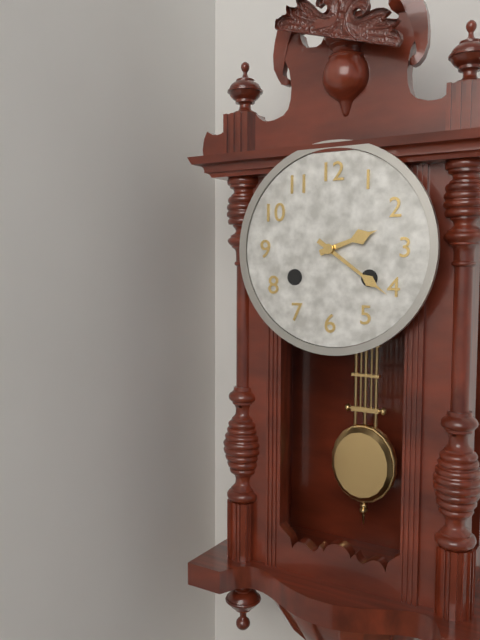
2:21
